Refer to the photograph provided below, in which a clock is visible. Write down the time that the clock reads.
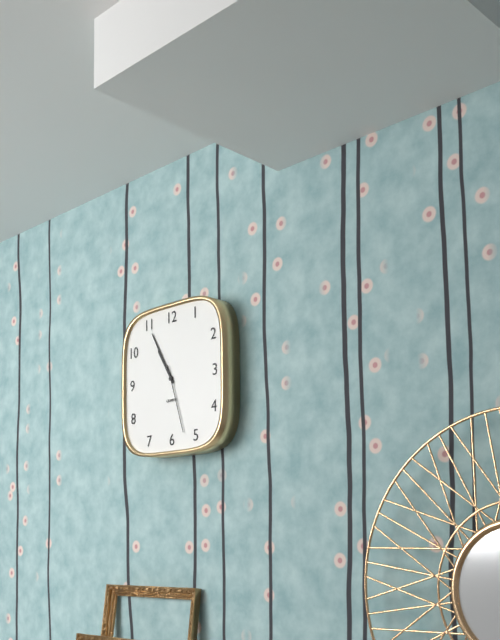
10:55:27
